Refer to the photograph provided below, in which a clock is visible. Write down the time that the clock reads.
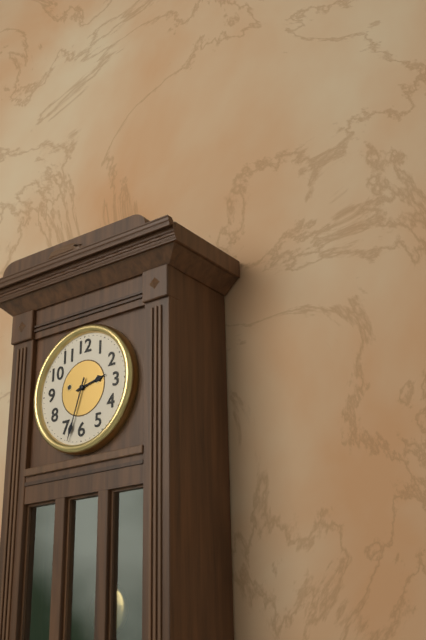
2:33
